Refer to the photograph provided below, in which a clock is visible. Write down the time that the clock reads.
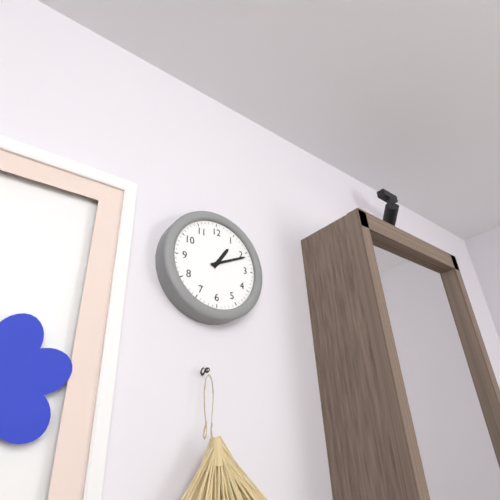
1:11
